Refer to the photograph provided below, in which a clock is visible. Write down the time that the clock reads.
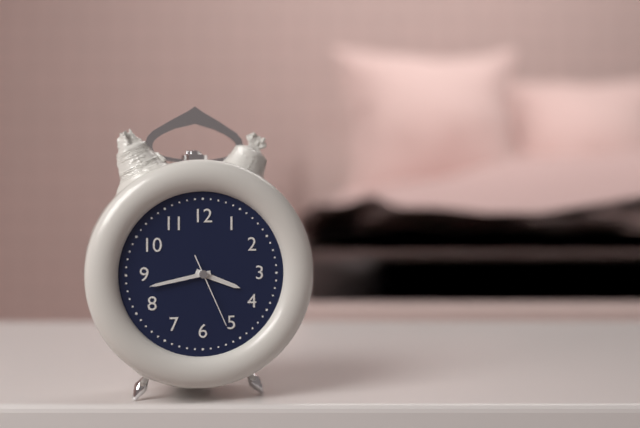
3:43:26
